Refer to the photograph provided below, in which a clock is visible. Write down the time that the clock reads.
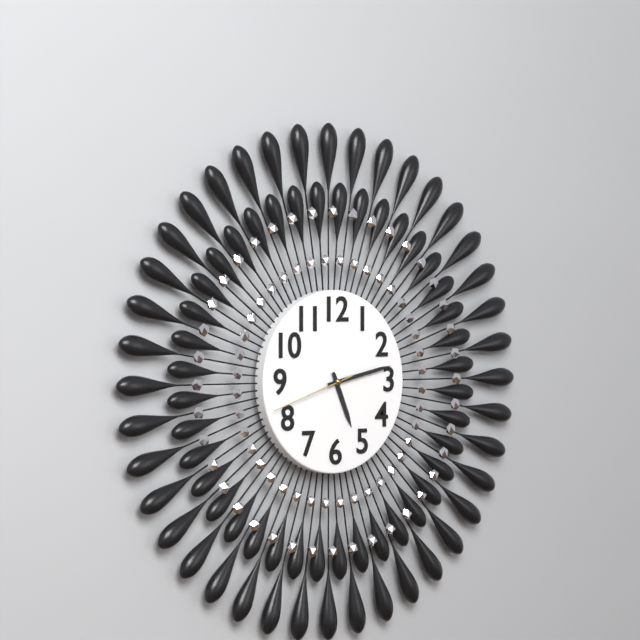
5:13:42
